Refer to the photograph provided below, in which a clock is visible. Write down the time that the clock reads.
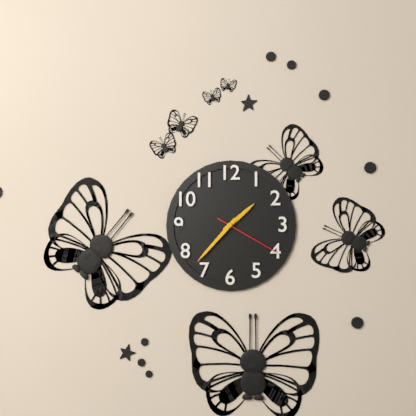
1:37:20
